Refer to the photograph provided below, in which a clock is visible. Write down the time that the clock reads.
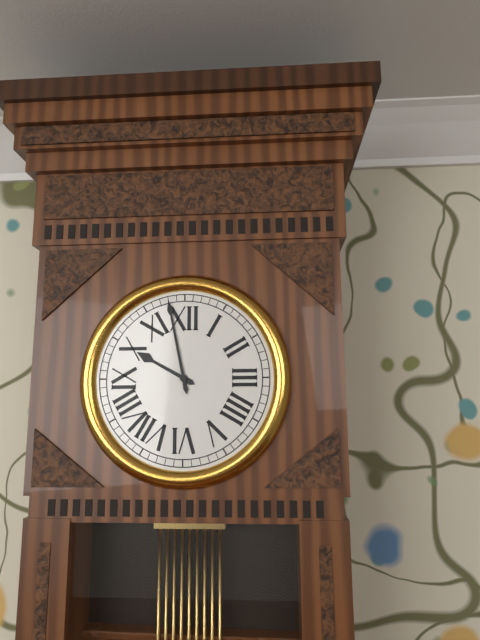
9:58
